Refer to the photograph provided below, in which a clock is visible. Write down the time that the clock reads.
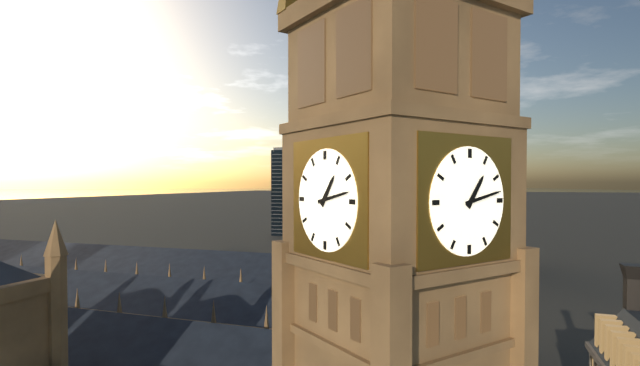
1:13
